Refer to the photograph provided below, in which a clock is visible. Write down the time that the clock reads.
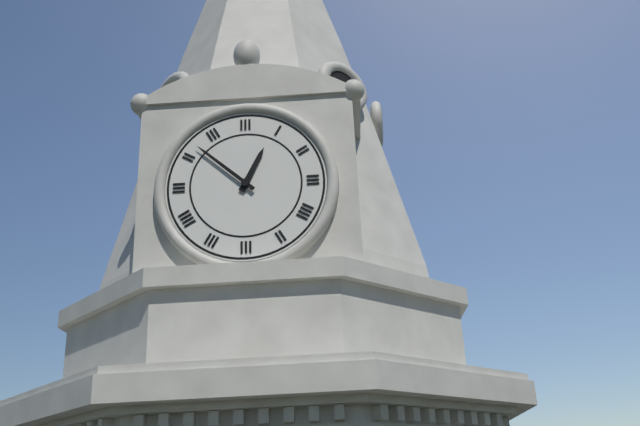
12:52
